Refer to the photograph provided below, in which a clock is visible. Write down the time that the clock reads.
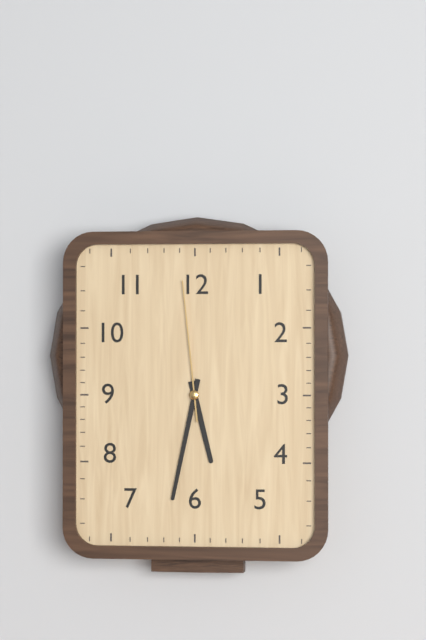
5:32:59
